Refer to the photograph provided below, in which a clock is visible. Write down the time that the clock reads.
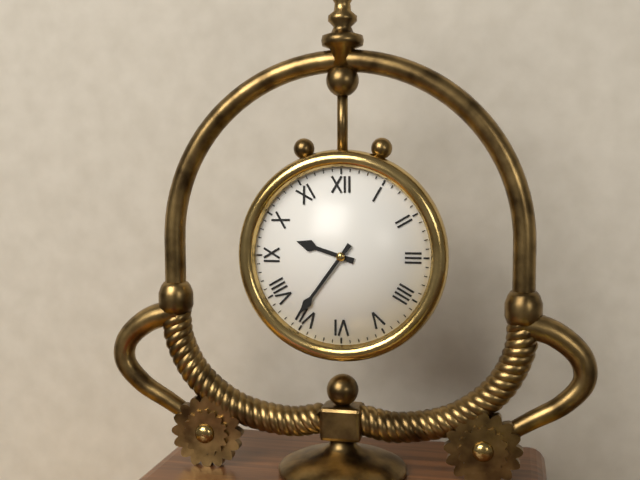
9:36
